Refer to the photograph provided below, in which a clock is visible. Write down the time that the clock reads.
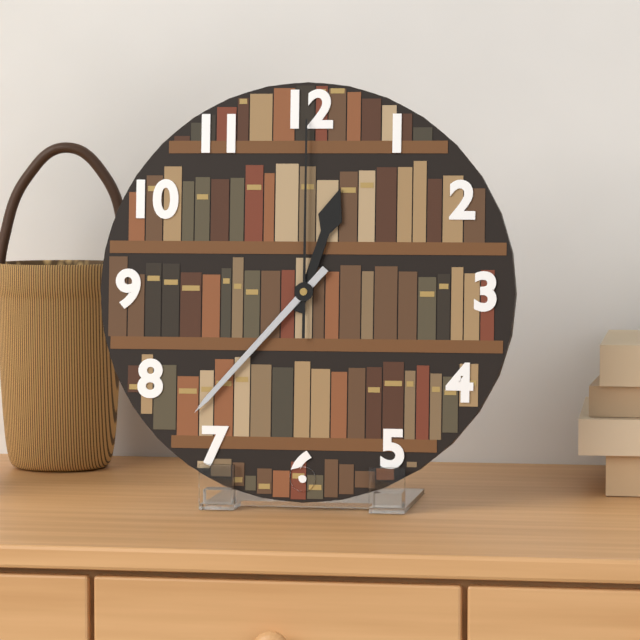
12:37:00
